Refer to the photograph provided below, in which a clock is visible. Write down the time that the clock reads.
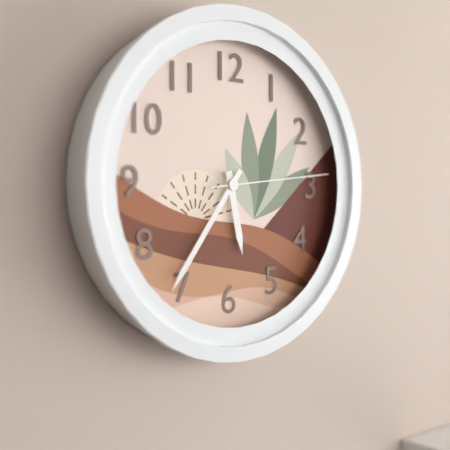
5:36:14
